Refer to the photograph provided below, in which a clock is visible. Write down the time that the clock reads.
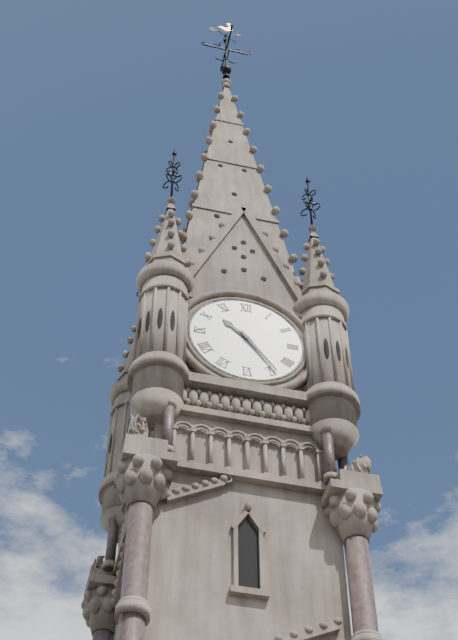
10:24
